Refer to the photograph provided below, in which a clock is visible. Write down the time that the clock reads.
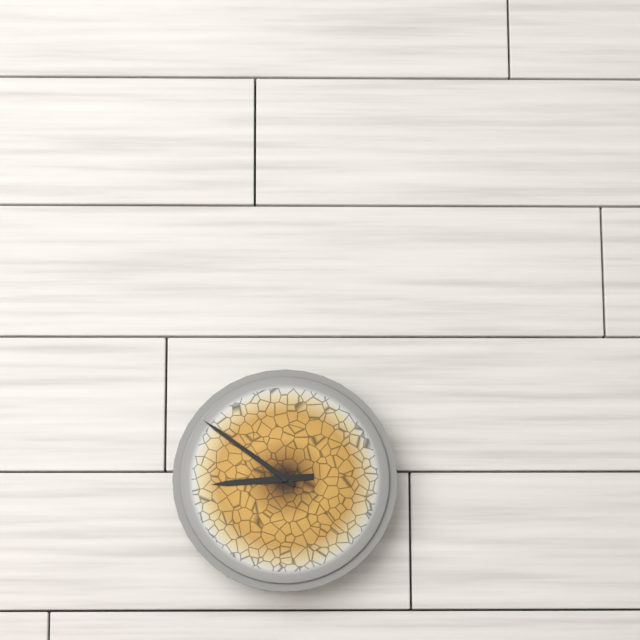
8:51
